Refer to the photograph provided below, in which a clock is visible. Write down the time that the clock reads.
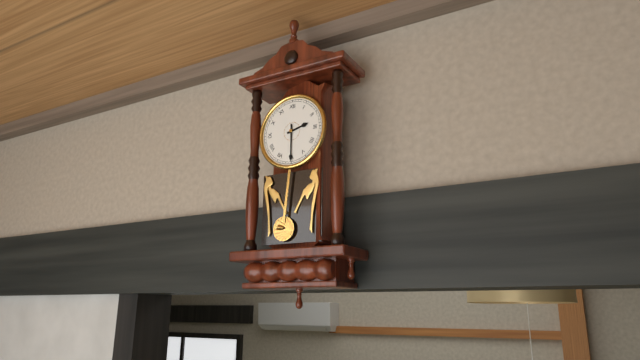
2:30
